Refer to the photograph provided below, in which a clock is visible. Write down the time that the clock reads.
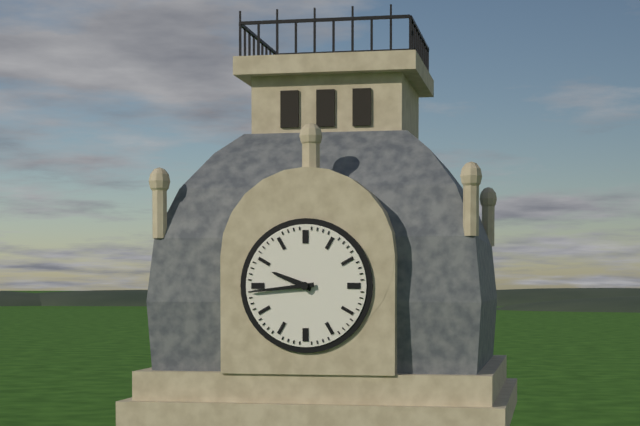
9:44
